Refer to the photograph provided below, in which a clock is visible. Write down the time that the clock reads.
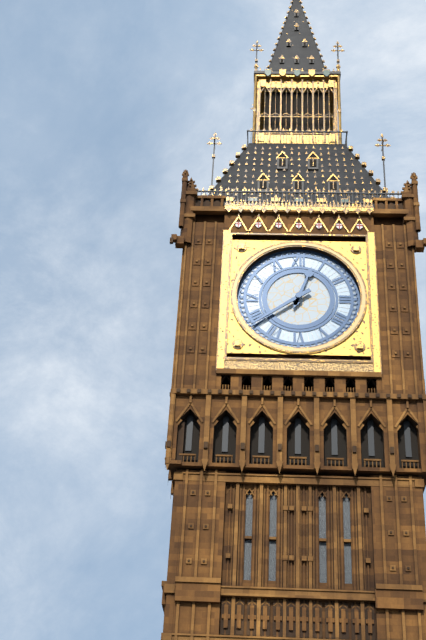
12:39
